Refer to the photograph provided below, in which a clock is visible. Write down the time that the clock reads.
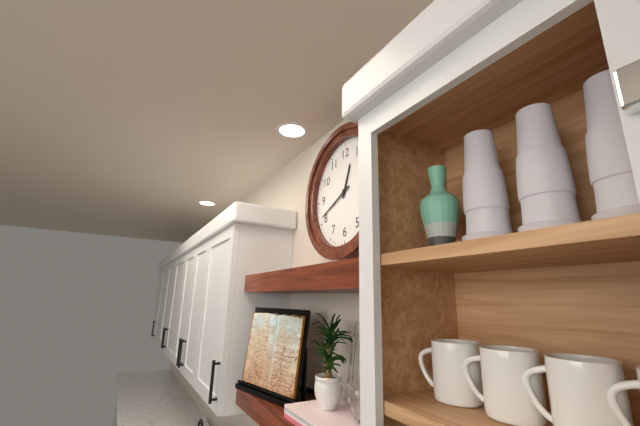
12:41
